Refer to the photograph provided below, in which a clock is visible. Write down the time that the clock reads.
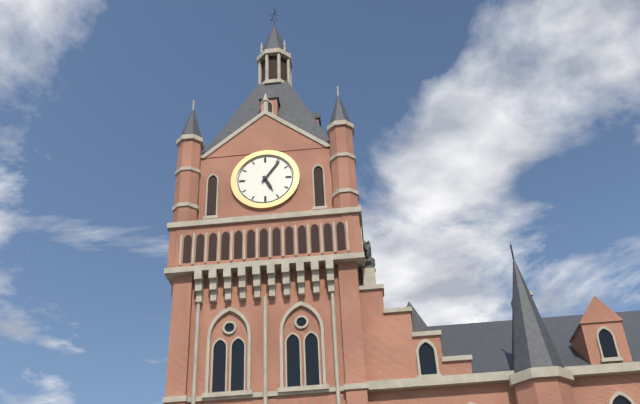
5:06
